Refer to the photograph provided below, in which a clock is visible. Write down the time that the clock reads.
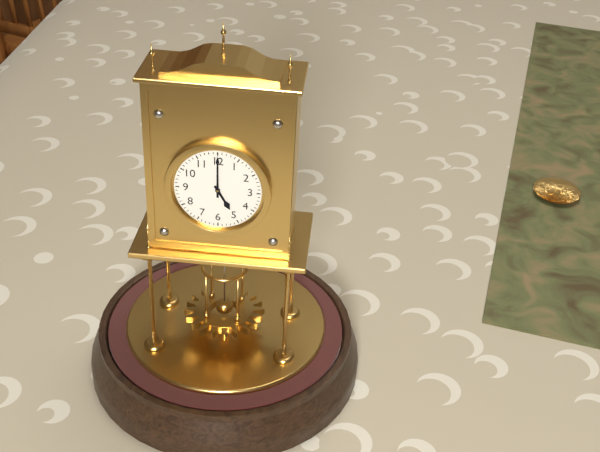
5:00
